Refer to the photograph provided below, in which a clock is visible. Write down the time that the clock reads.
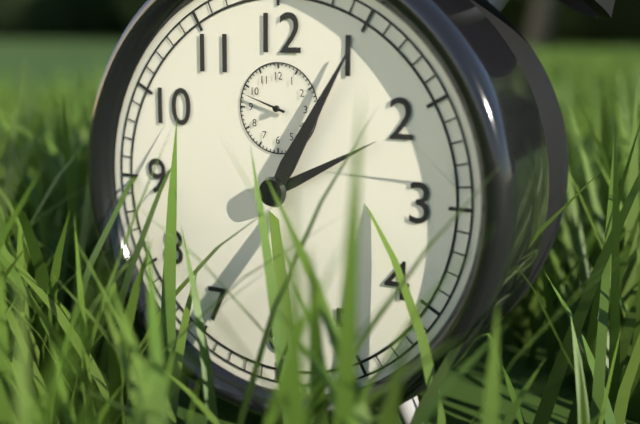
2:05
